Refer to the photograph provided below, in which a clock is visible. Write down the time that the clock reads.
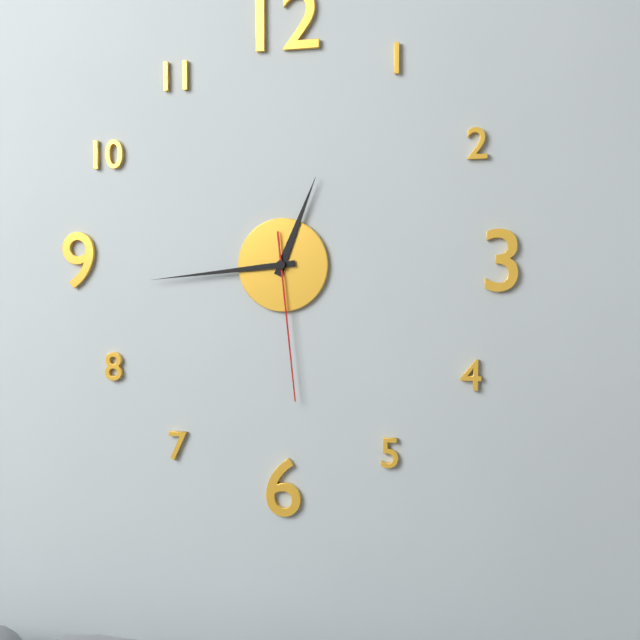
12:44:29
